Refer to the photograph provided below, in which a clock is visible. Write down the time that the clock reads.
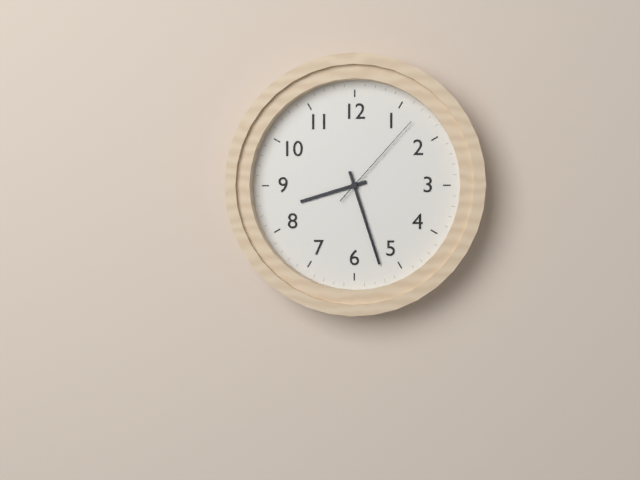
8:27:07
